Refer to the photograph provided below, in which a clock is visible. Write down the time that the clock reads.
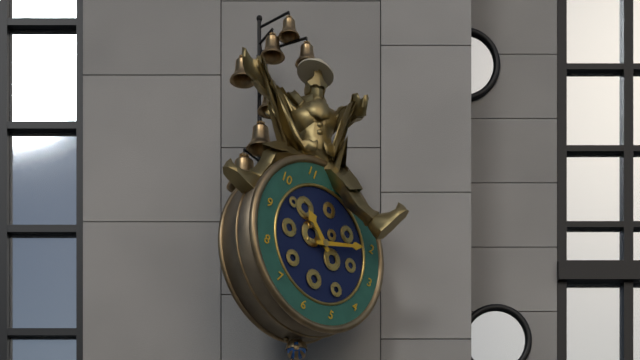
10:10
